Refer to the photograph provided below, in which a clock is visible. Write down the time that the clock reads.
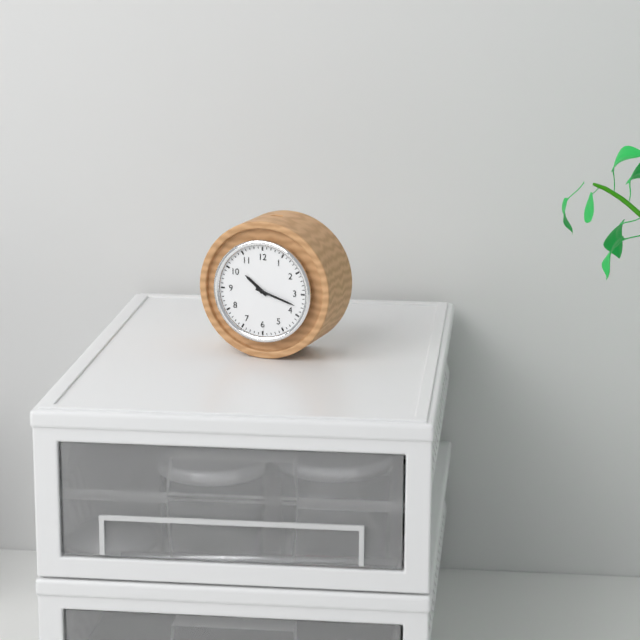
10:18
